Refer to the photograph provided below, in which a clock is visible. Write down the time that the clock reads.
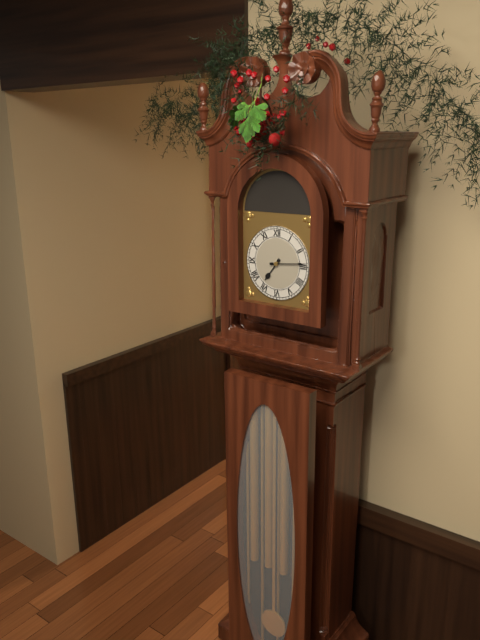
7:14
